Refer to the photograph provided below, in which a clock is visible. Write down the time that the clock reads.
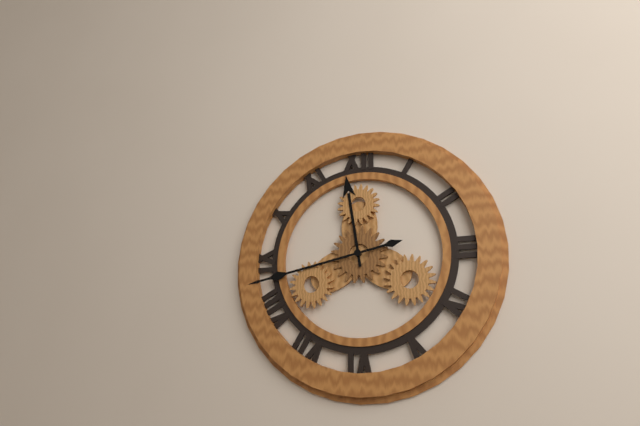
11:43
